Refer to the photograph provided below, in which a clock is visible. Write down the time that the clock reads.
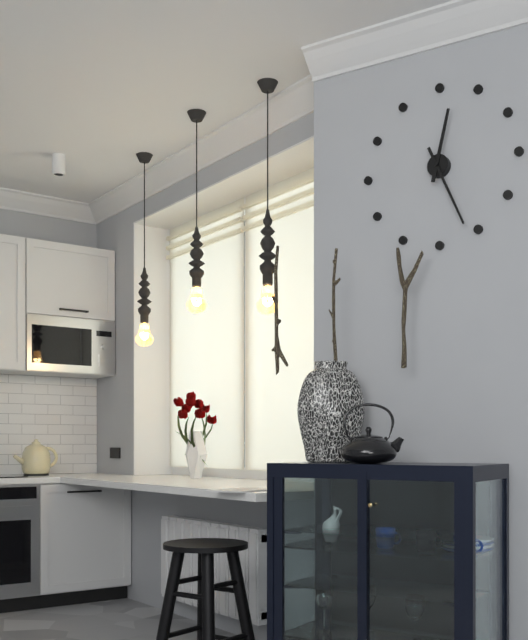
12:26
